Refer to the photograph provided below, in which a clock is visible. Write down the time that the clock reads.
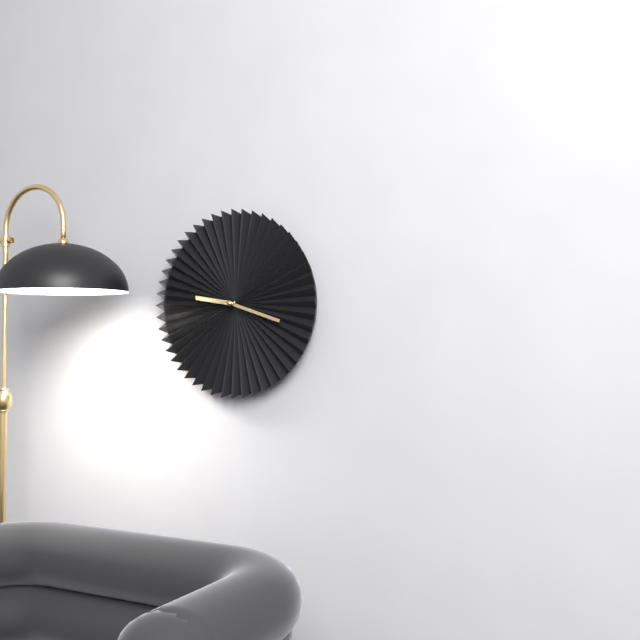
9:18
